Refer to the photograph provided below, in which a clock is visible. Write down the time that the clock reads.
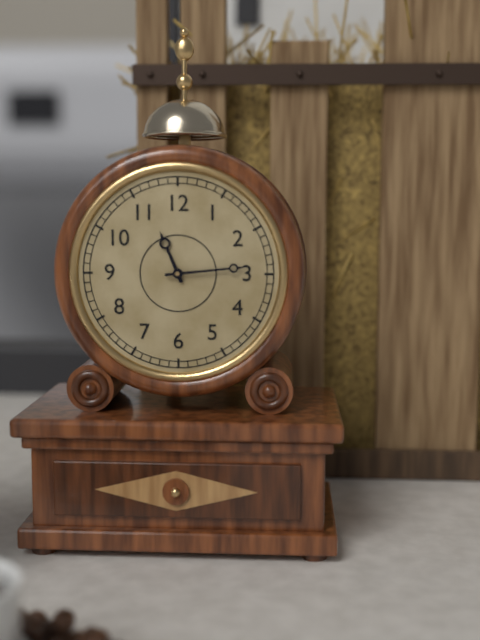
11:14
